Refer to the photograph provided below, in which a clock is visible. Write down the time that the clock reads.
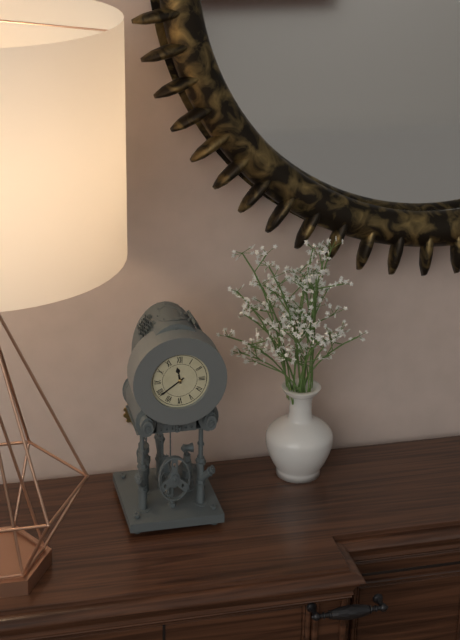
11:39
